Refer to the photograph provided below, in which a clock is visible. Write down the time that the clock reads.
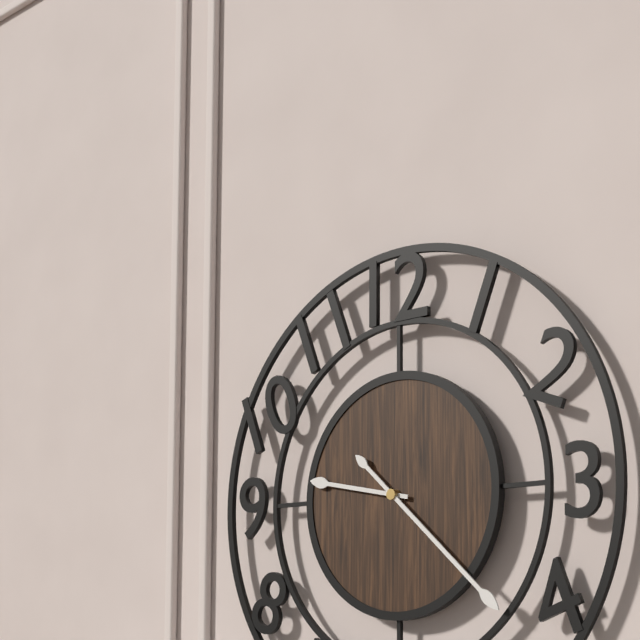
9:22
